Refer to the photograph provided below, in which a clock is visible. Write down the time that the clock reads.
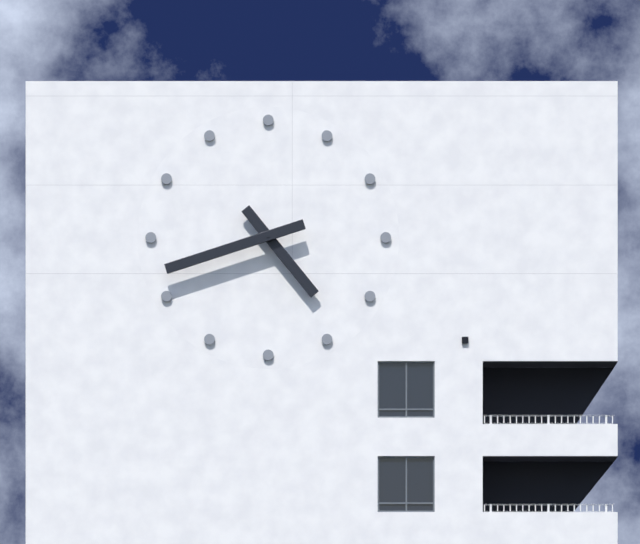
4:42
